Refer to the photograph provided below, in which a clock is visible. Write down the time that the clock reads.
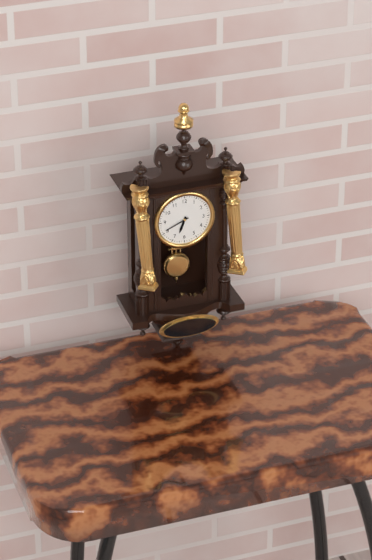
6:41
